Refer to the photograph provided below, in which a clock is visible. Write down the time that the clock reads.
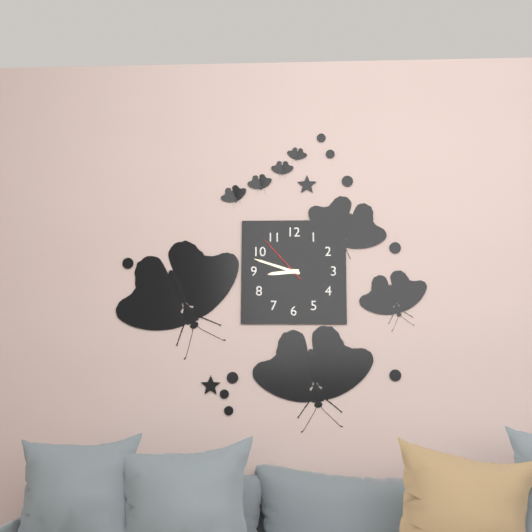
8:48:53
